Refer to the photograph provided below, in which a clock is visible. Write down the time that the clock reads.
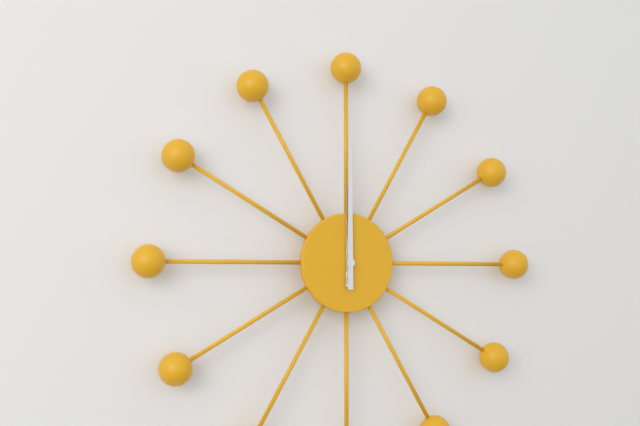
12:00
